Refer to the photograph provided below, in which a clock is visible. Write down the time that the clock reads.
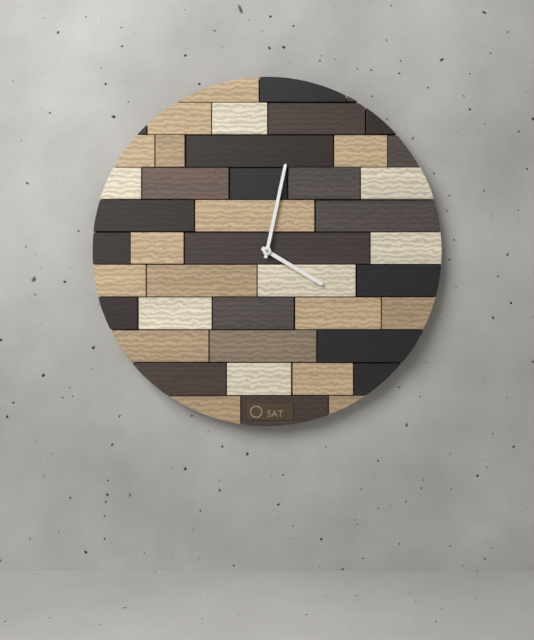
4:02
